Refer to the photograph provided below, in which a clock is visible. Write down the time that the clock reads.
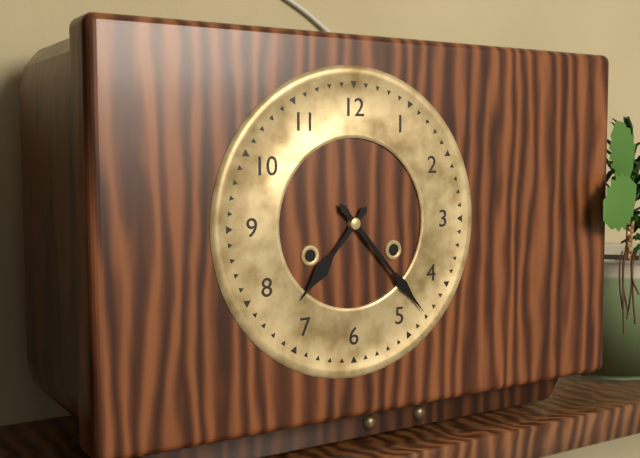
7:23
